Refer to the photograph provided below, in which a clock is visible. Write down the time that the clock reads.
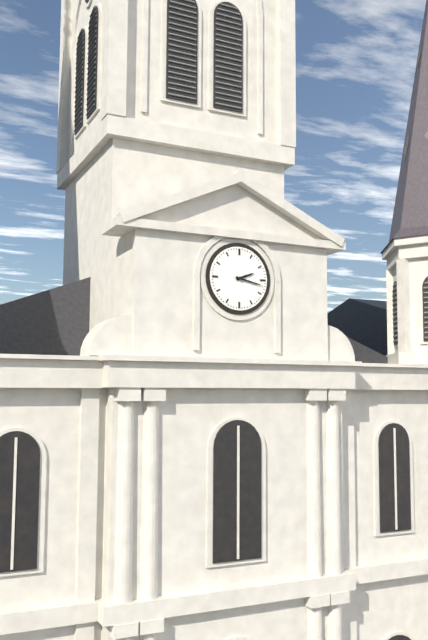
2:17
